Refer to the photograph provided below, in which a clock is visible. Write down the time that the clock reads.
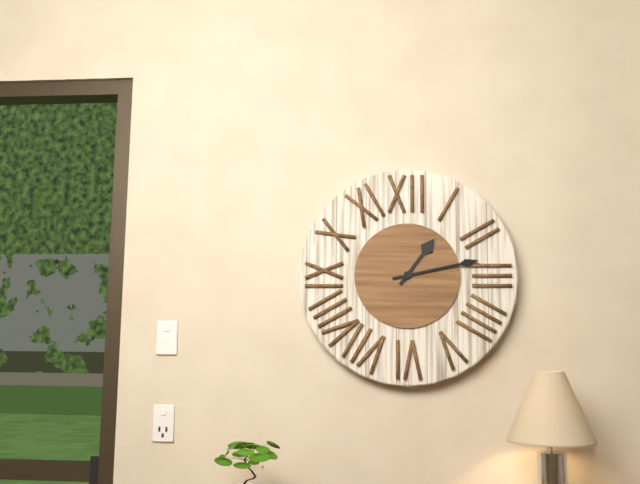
1:13
